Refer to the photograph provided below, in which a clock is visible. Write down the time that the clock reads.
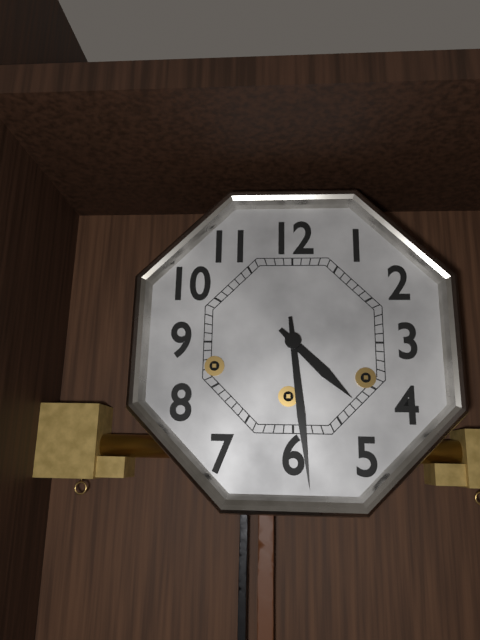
4:29
